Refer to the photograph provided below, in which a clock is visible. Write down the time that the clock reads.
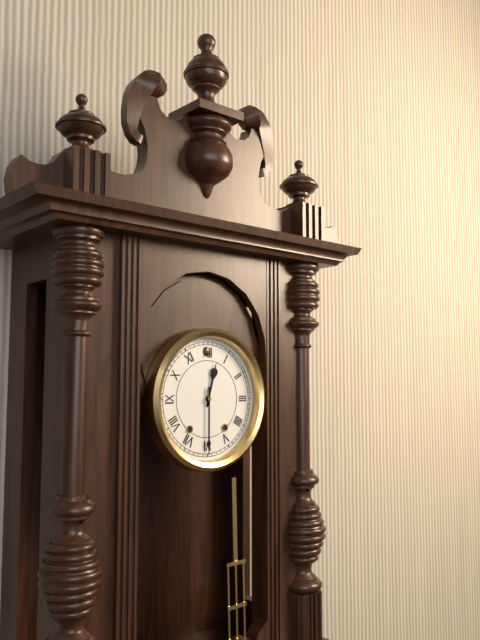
12:30
